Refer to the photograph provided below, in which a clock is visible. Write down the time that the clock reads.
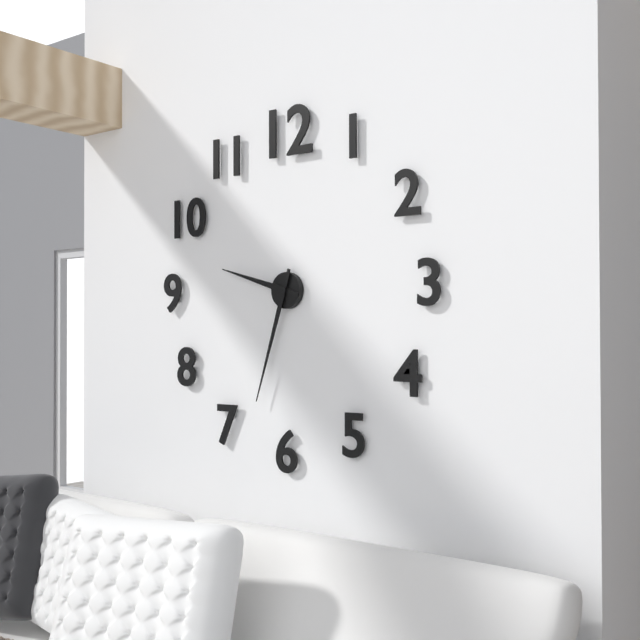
9:33
